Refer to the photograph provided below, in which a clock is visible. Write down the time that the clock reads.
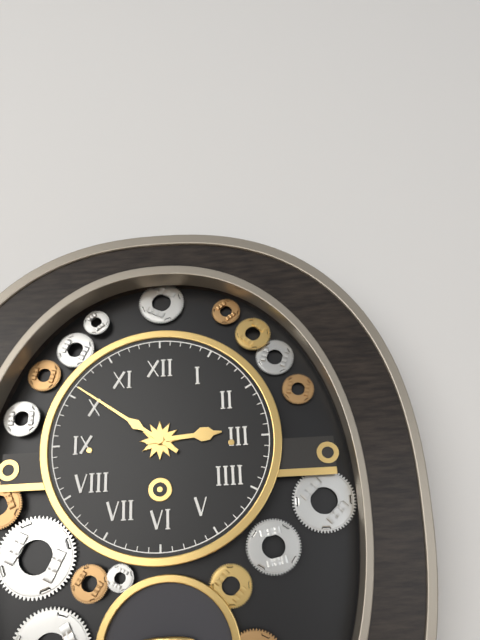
2:51
